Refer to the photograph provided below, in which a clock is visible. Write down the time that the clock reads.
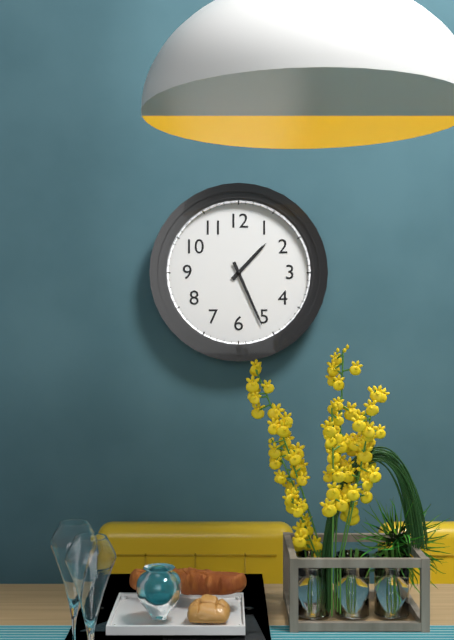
1:26
